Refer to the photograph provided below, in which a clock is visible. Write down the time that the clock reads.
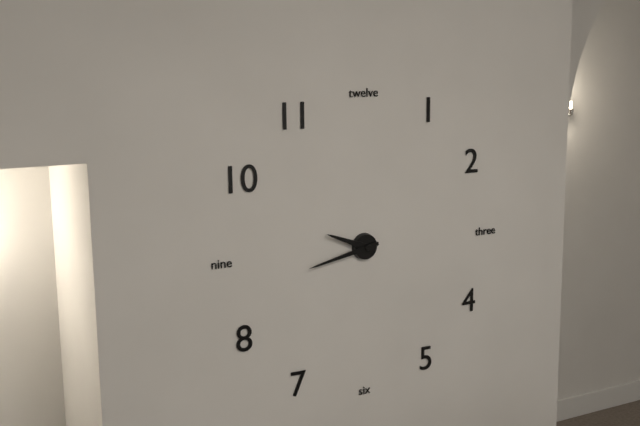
9:43
